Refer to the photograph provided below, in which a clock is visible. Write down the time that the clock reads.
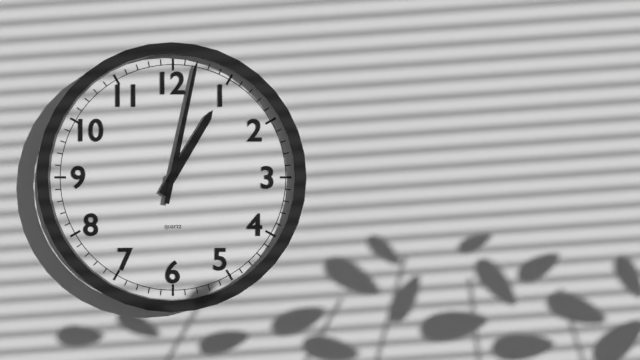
1:02
